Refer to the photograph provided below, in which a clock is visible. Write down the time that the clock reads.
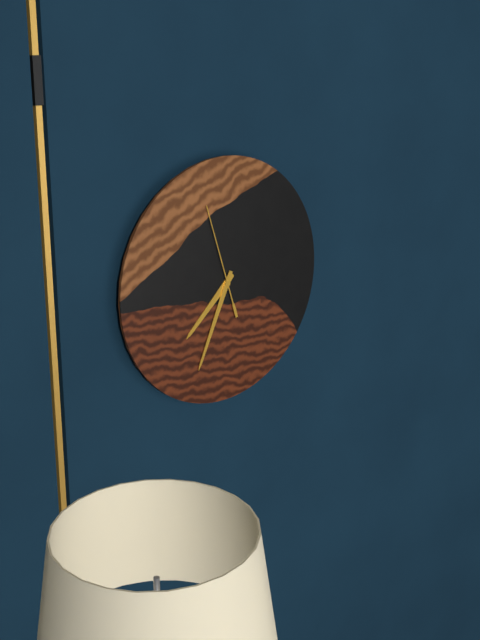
7:34:57
